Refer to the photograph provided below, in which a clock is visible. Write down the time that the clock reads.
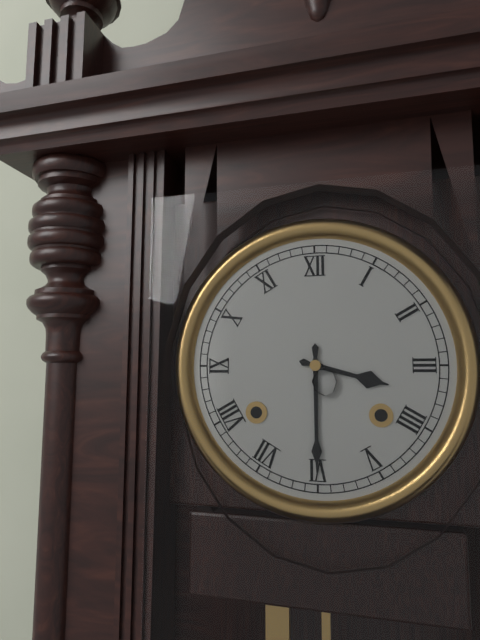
3:30
